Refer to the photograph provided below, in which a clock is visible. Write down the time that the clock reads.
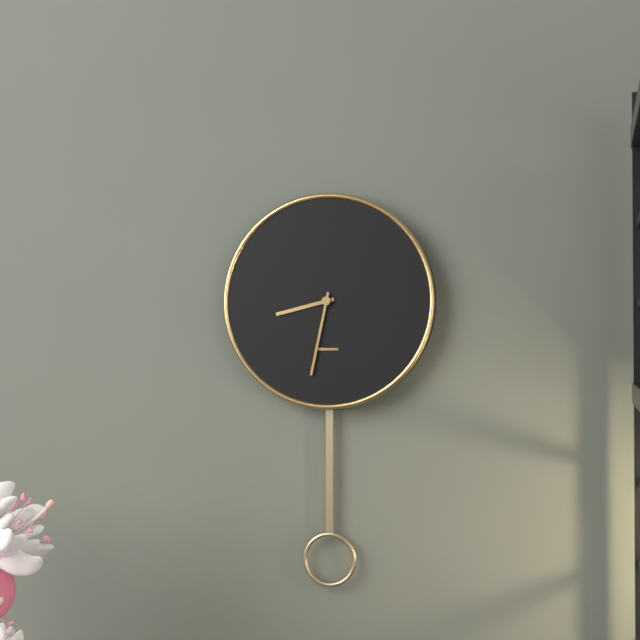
8:32
